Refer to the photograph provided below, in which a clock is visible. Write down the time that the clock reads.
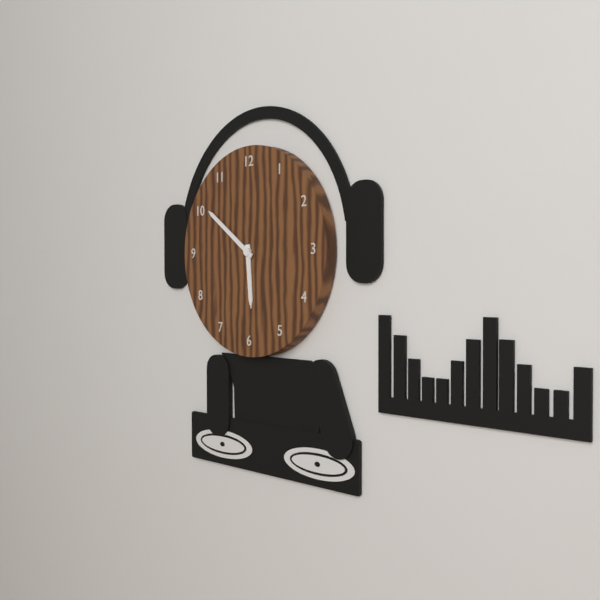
5:51
